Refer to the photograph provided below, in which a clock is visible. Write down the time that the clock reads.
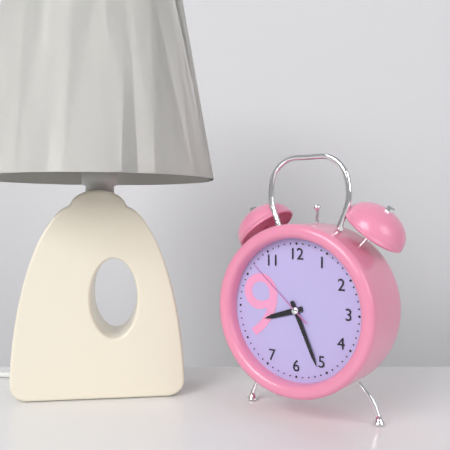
8:26:52
